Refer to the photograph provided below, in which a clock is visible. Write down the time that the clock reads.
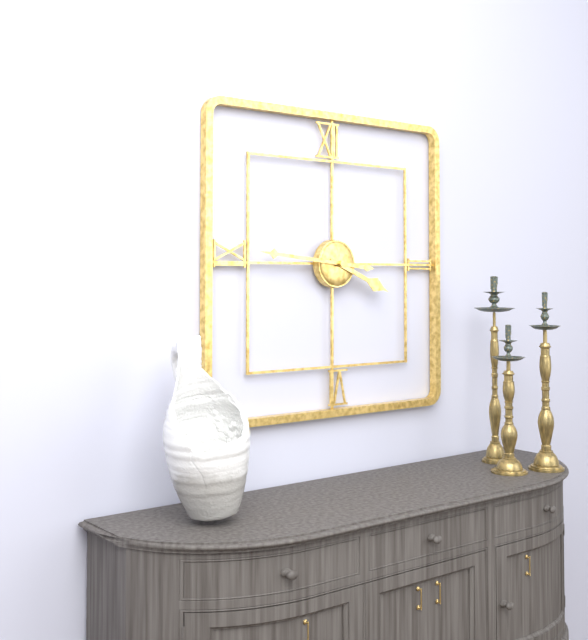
3:46
